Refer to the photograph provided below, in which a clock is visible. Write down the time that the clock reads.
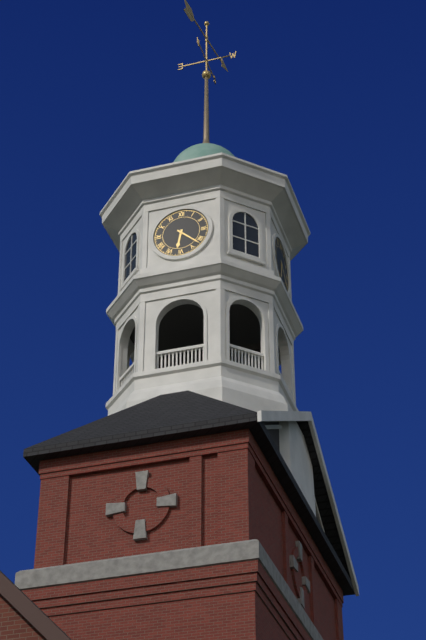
6:22
